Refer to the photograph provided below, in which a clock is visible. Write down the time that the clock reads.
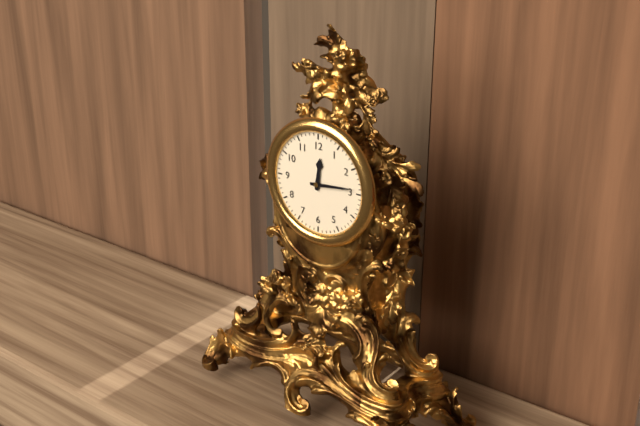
12:14
